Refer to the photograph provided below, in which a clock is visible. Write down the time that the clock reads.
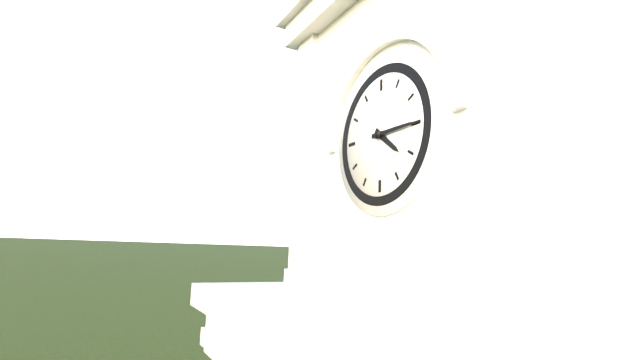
4:15
